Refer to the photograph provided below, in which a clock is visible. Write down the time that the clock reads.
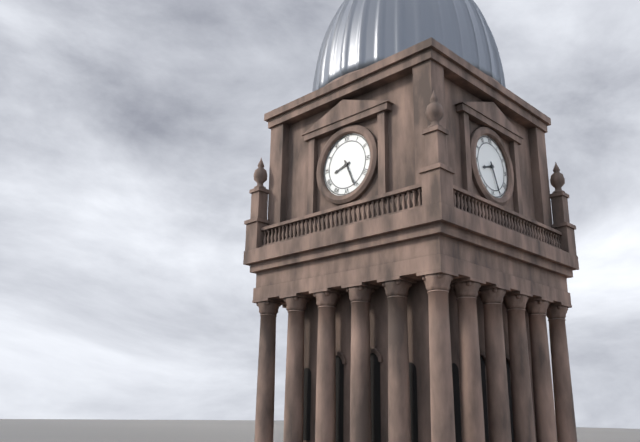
8:26
